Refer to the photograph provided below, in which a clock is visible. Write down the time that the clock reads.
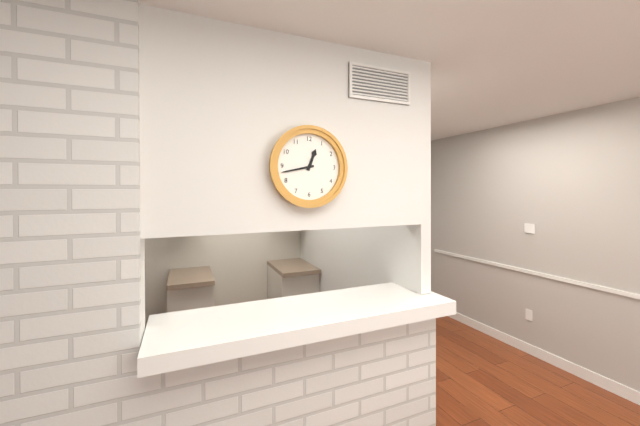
12:43
